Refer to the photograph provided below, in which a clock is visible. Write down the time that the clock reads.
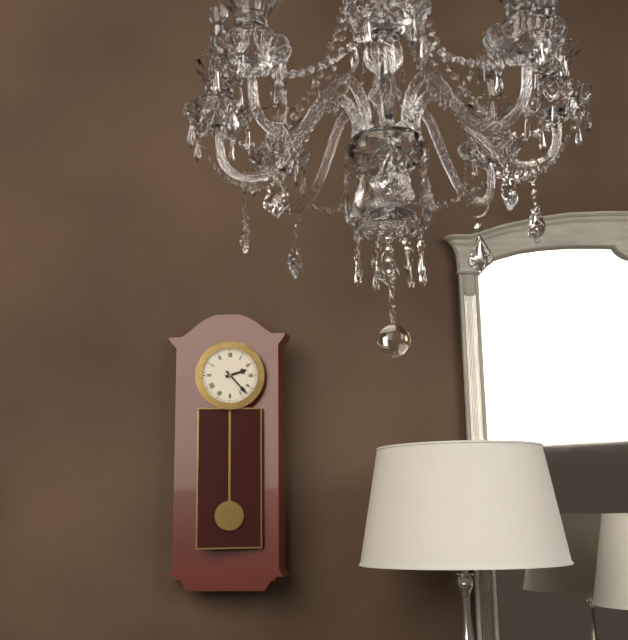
2:23
